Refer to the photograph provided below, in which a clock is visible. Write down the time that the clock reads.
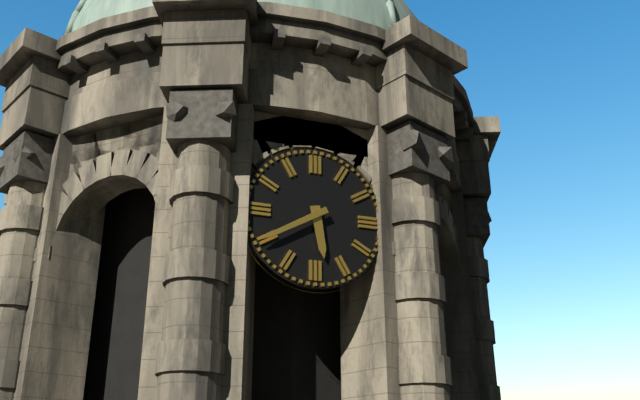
5:40
